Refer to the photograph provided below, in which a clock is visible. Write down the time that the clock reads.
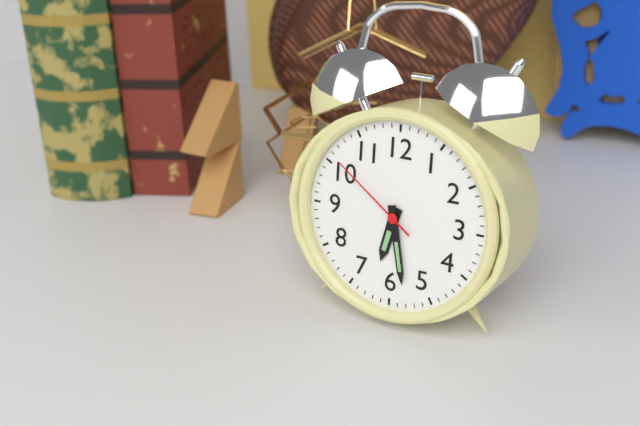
6:28:51
